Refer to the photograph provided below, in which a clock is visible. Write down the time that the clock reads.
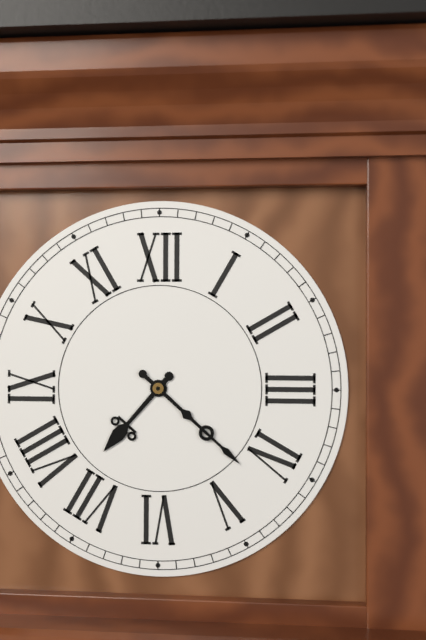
7:22
